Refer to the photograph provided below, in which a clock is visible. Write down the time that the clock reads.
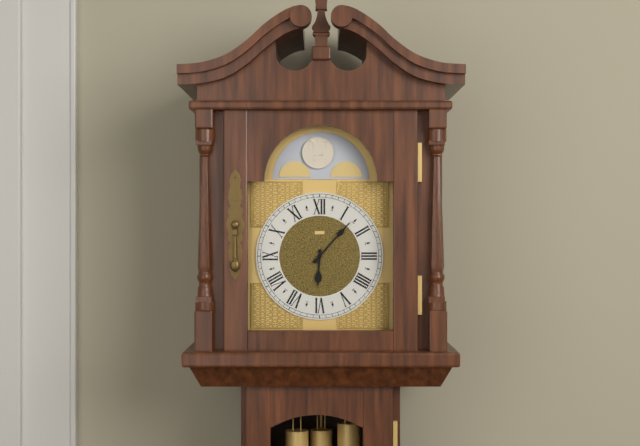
6:07
